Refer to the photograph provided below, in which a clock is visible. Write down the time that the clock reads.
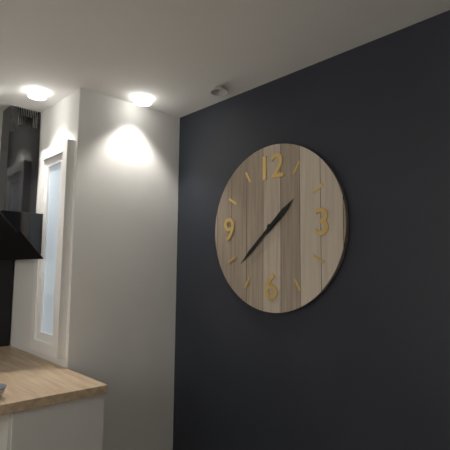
1:38
